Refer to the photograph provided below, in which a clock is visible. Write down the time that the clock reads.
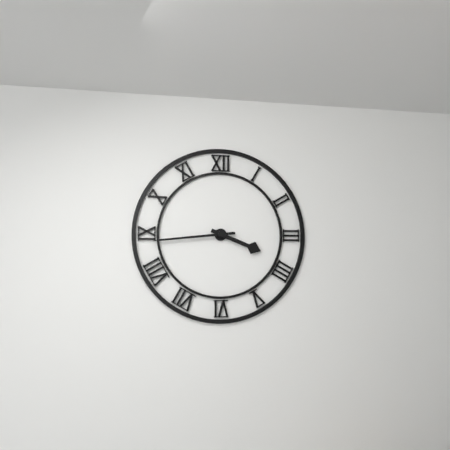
3:44
